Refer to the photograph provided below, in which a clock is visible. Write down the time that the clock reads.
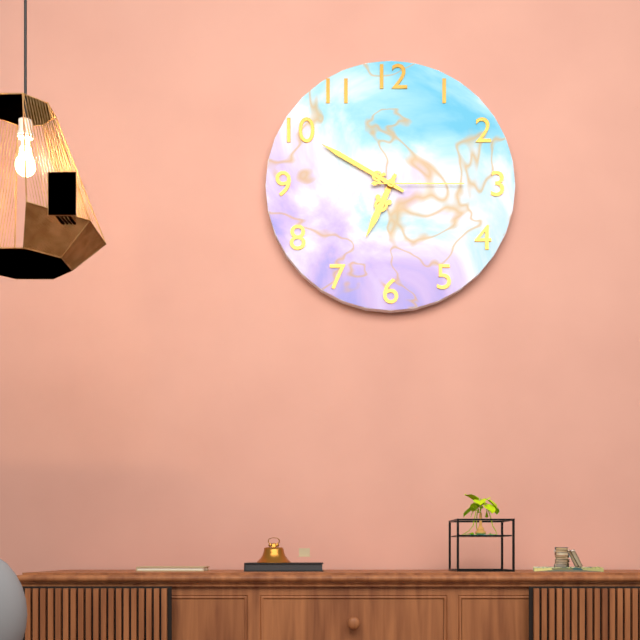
6:50:15
